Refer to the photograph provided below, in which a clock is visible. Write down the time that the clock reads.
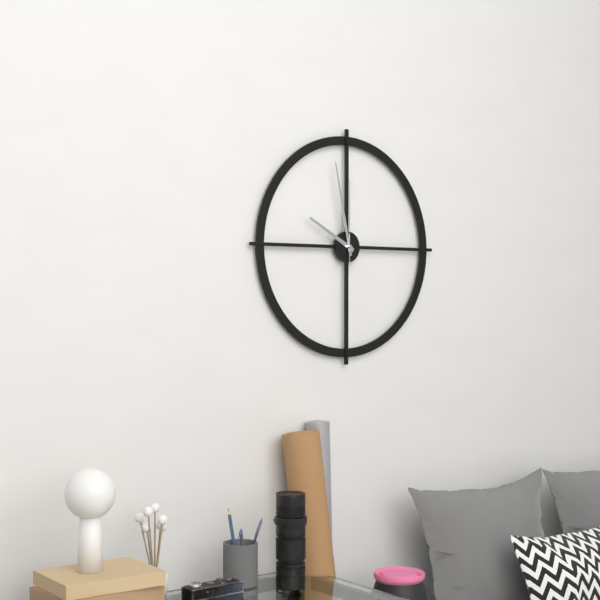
9:58:00
